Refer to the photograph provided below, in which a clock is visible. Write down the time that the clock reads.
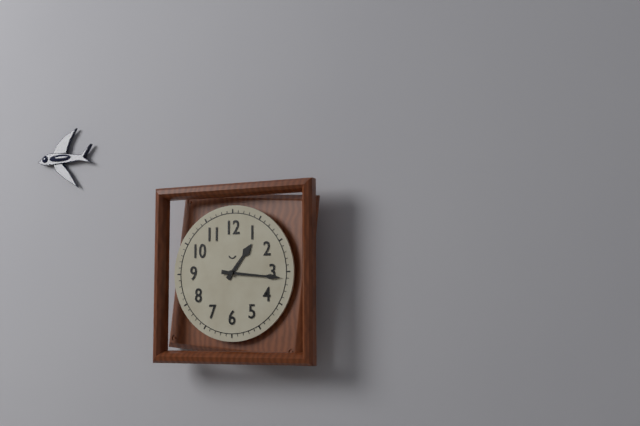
1:16
